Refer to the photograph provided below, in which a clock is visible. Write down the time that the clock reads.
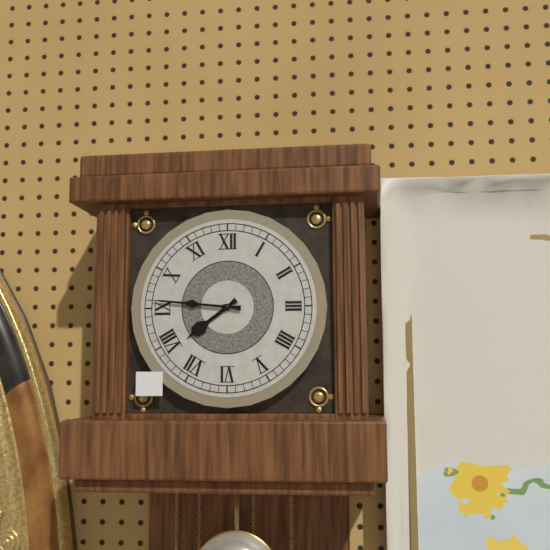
7:46
